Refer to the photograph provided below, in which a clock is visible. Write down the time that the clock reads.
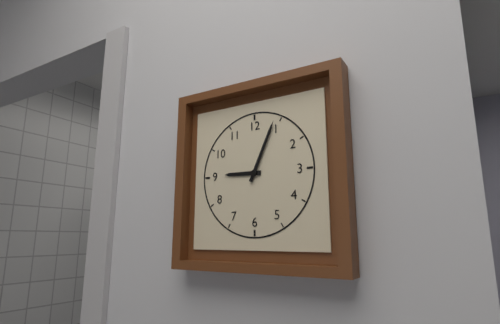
9:04
